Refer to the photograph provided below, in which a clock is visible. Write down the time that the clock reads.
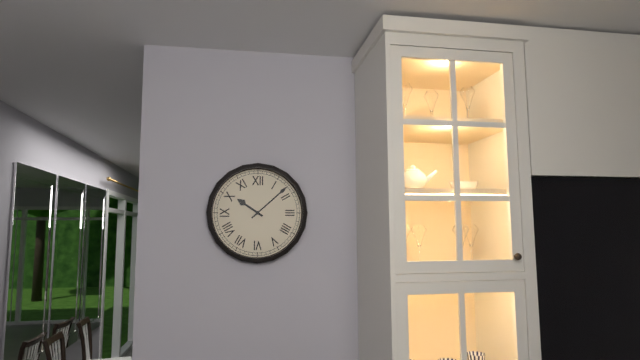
10:08
